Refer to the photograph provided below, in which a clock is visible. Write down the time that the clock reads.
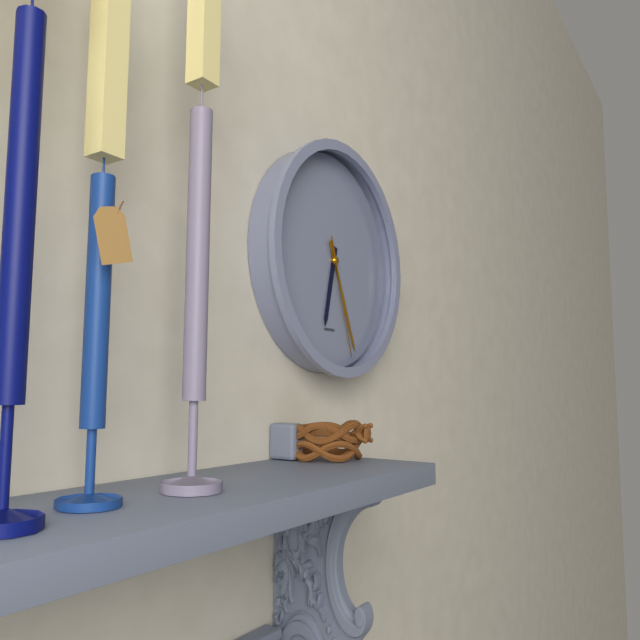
6:26:27
